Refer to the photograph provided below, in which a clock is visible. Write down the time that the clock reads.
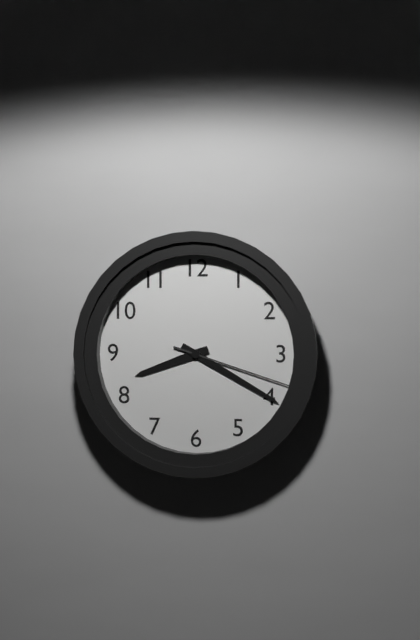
8:20:18
